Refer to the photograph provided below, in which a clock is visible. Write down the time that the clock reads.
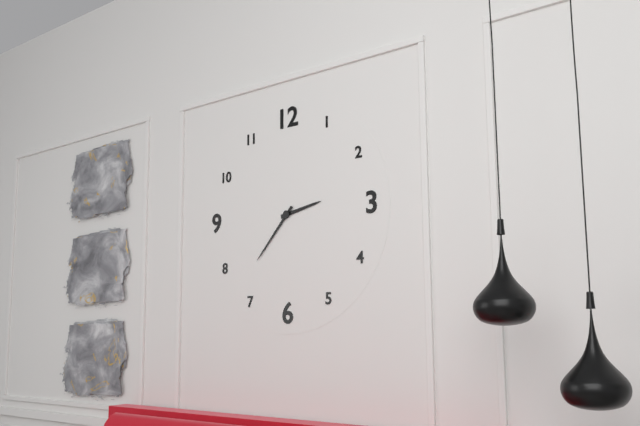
2:37
